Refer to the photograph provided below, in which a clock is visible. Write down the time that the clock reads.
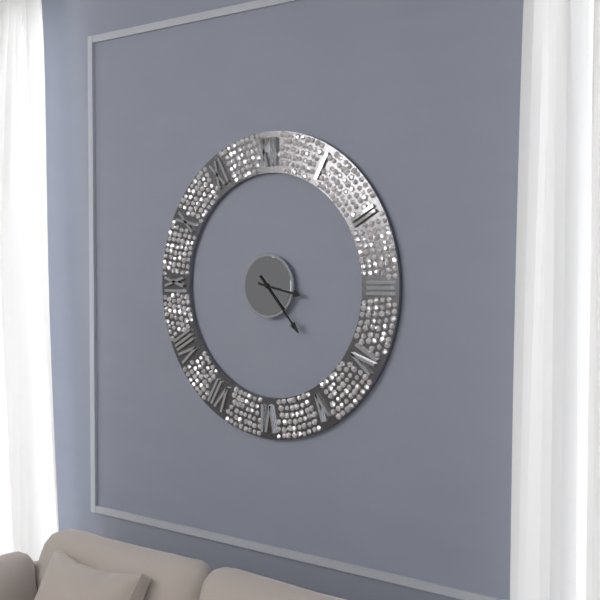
3:23
